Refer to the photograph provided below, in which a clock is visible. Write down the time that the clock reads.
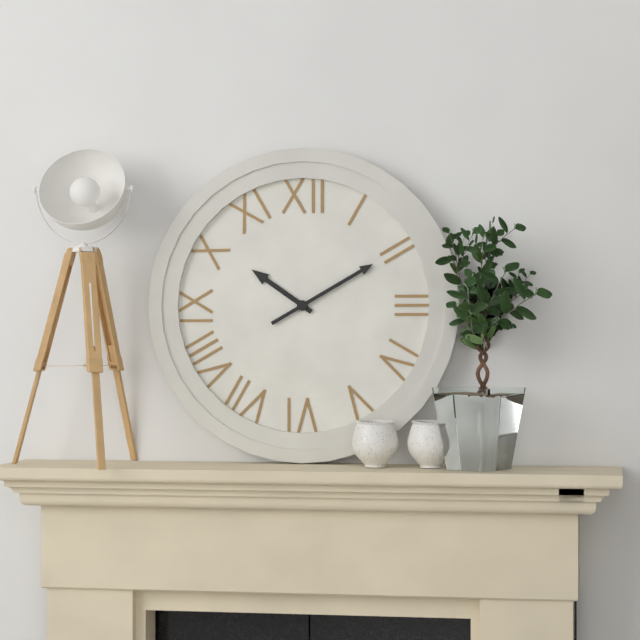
10:10
